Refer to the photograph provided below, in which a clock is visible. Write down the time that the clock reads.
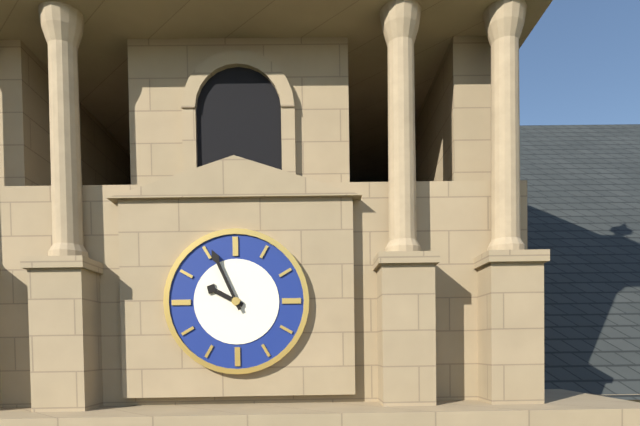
9:56
